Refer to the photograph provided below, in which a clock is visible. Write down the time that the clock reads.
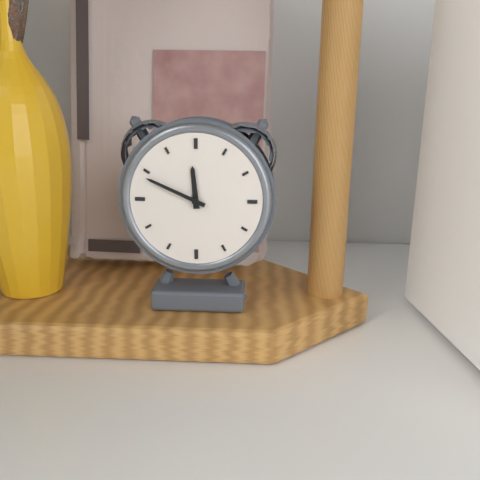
11:49
